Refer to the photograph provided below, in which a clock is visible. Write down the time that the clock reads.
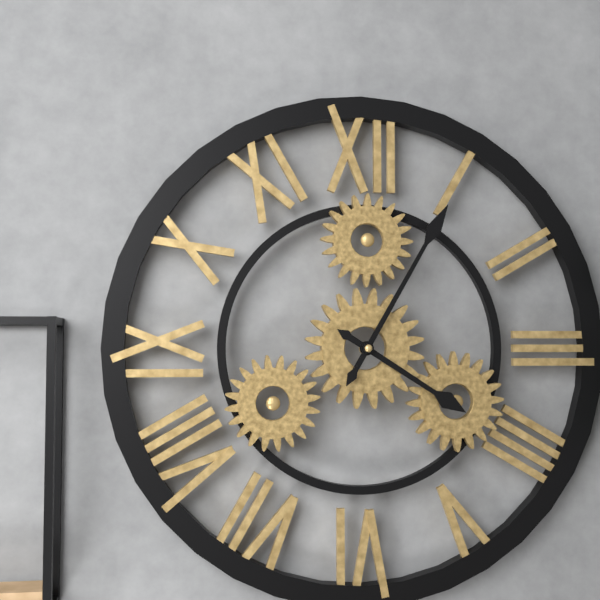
4:05
